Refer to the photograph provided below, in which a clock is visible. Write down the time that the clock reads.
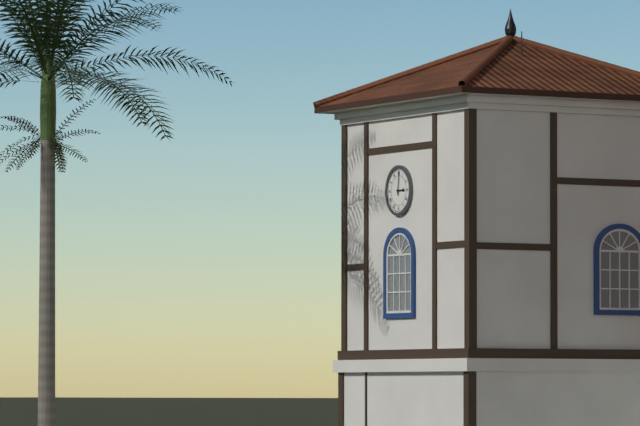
3:01
